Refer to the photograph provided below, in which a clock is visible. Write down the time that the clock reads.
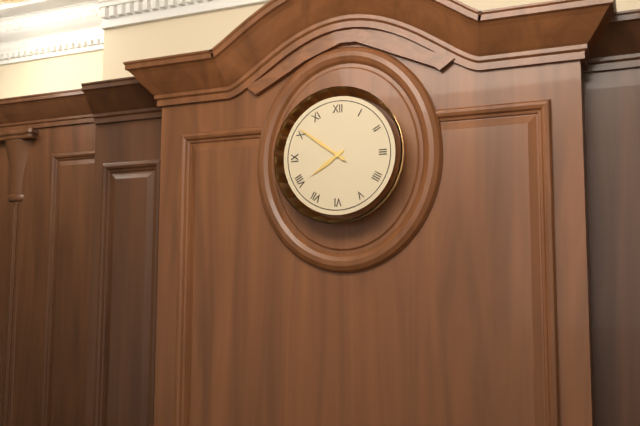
7:51
